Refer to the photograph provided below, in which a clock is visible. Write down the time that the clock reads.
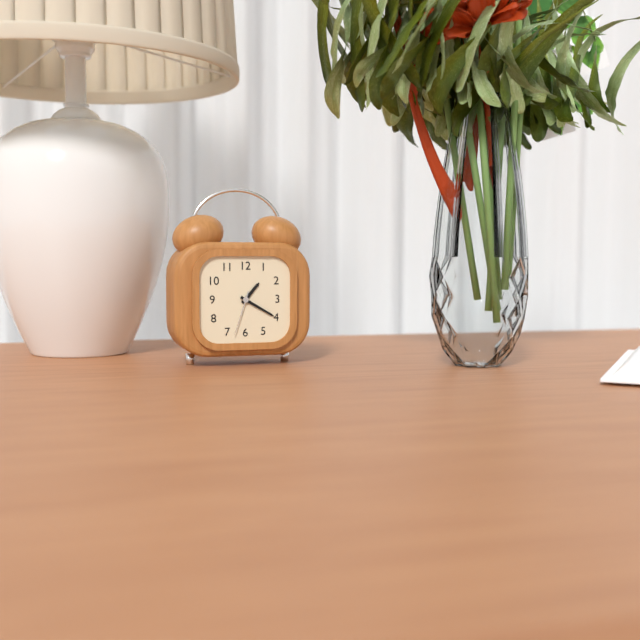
1:20
